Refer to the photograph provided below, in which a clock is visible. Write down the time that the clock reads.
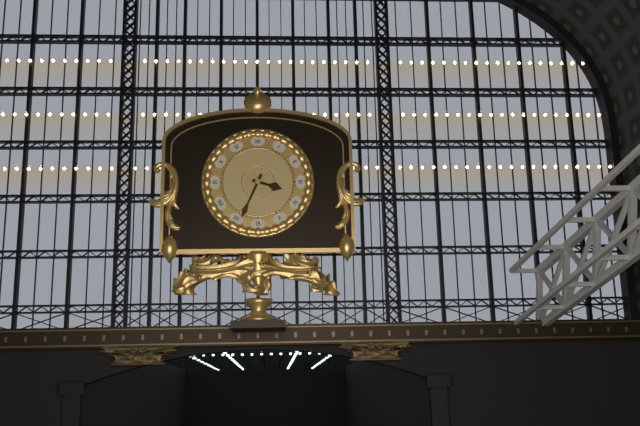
3:34
